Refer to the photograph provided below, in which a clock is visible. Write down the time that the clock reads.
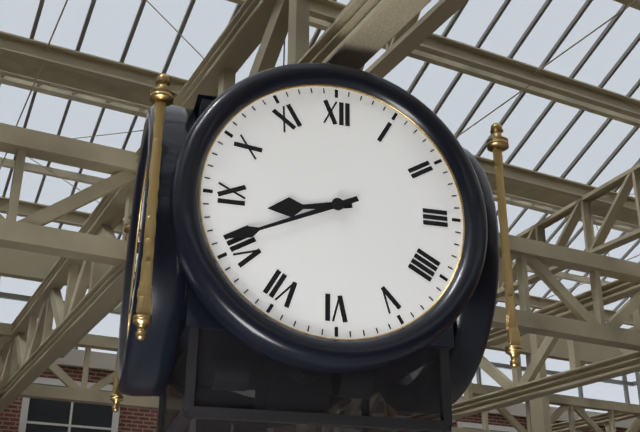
8:41
